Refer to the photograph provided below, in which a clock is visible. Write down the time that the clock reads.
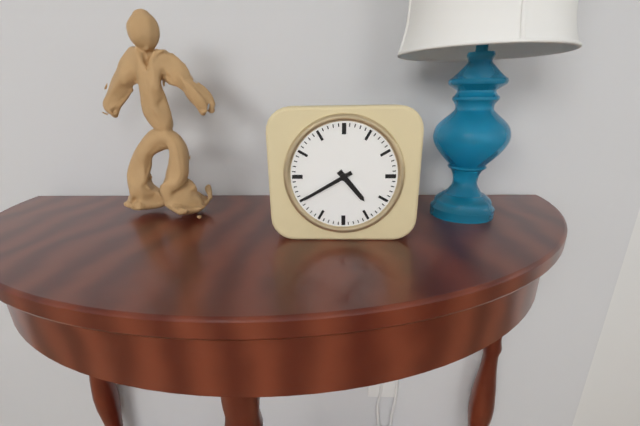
4:40
